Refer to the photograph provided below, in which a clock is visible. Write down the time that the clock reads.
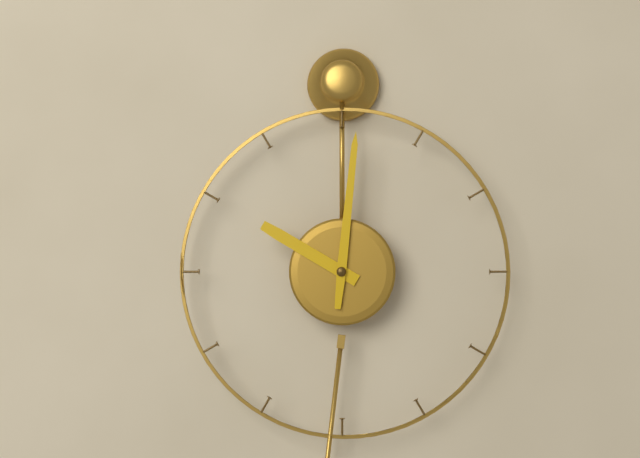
10:01
